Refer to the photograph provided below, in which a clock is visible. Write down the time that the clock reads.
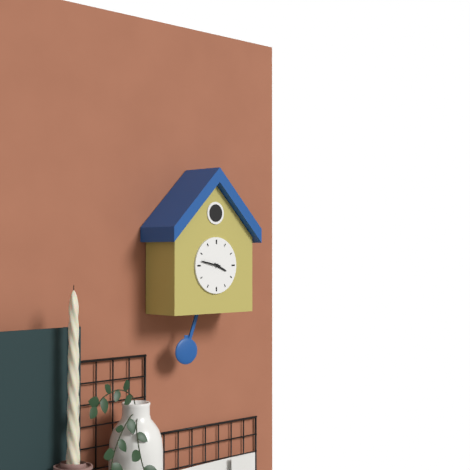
3:47
